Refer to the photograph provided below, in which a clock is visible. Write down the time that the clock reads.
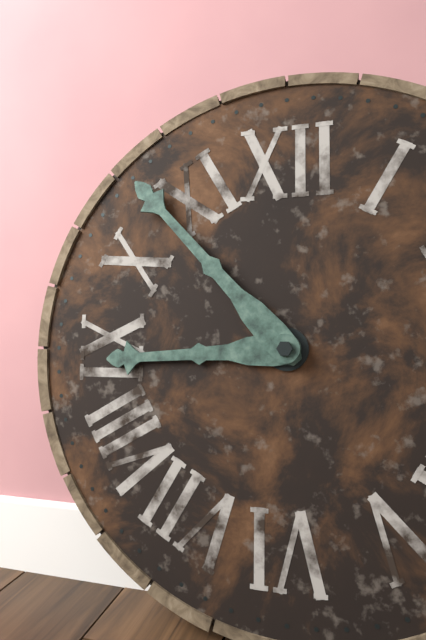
8:53
